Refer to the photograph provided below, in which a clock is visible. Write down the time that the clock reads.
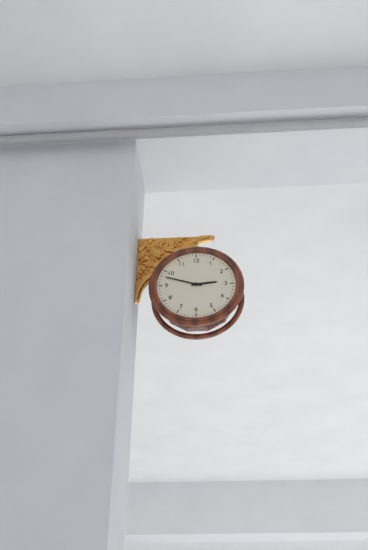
2:48
